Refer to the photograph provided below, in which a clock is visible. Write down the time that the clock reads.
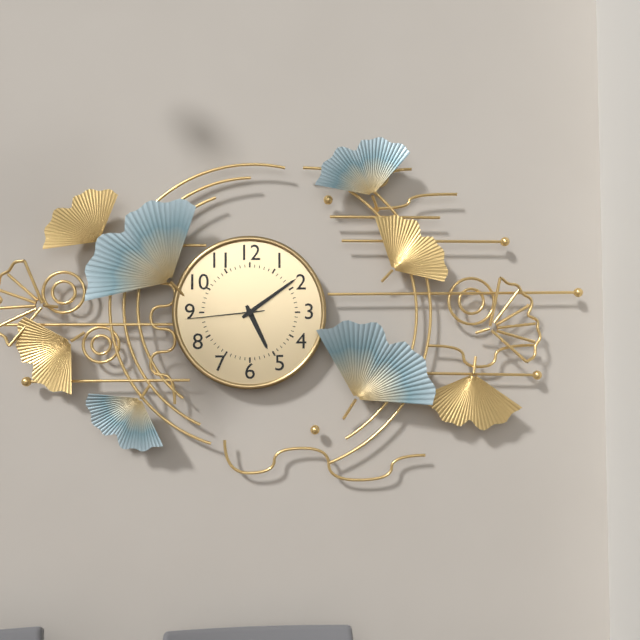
5:09:44
